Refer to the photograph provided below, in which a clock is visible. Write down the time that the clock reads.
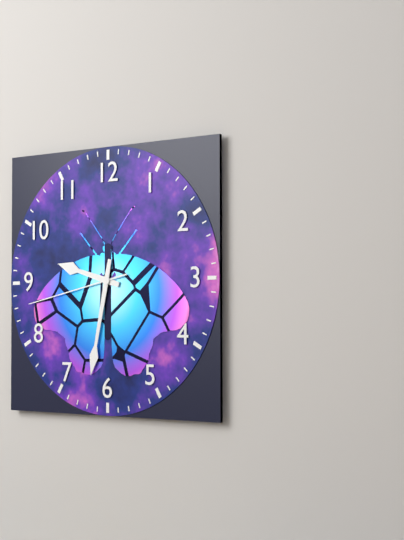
9:32:43
